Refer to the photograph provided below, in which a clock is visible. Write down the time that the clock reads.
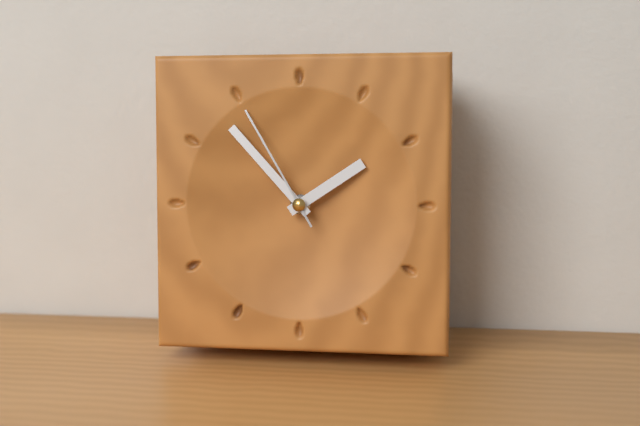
1:53:55
